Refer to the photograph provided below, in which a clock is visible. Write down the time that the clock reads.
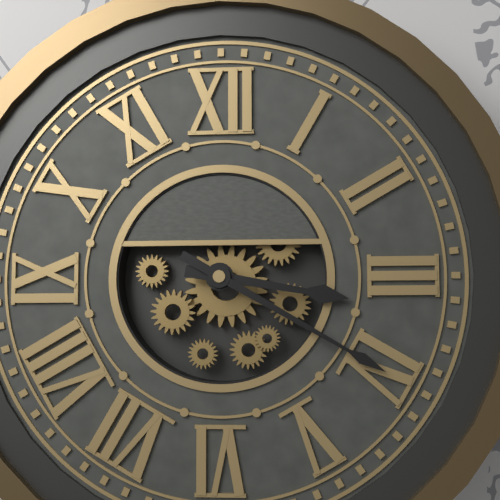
3:20
